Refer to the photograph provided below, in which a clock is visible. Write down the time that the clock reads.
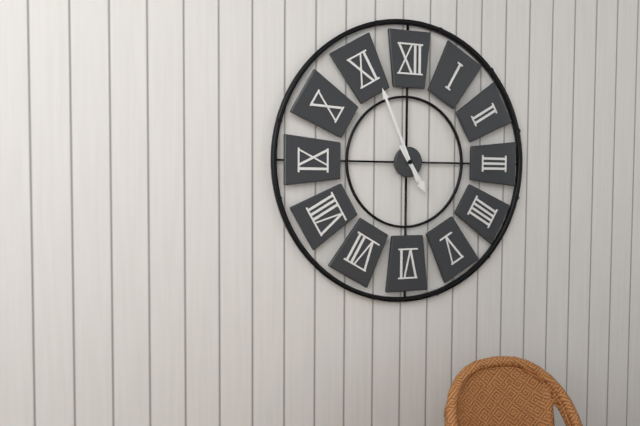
4:56
